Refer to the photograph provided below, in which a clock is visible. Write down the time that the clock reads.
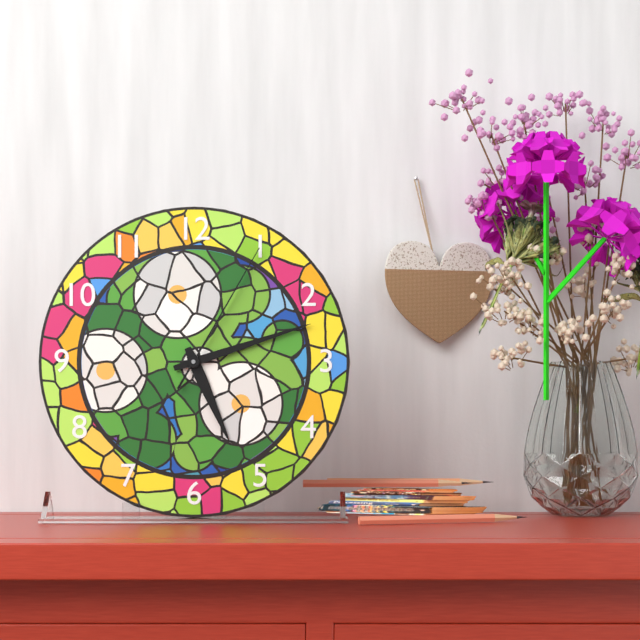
5:12:05
